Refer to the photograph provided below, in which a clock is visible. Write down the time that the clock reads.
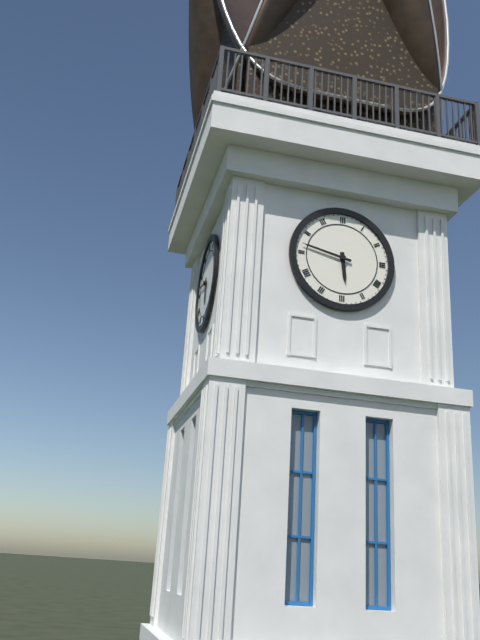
5:47
